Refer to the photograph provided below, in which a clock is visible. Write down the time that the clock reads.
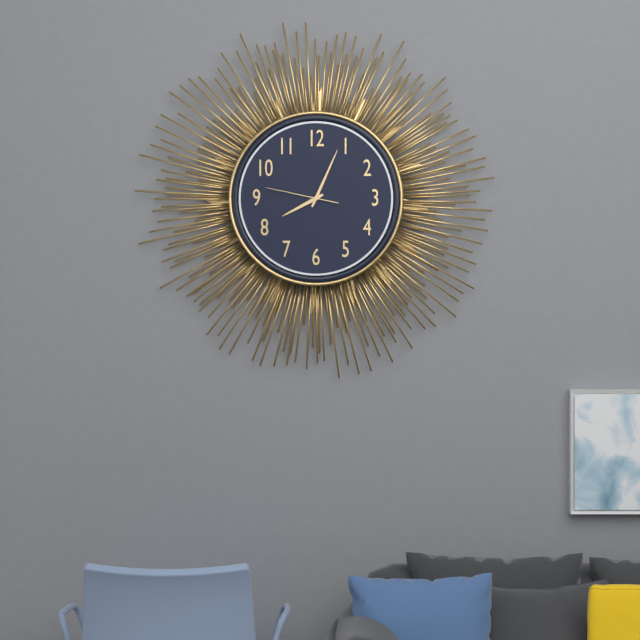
8:04:47
